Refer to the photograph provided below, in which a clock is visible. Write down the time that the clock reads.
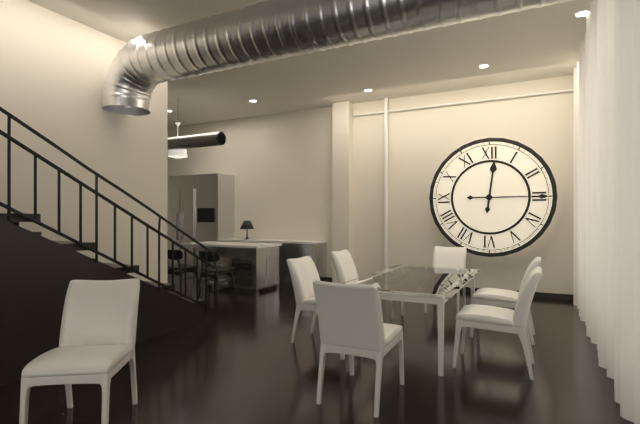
12:15
